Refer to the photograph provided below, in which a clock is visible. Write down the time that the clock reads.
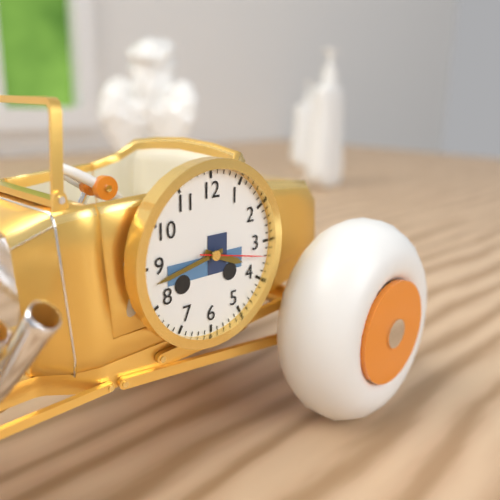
3:43:17
